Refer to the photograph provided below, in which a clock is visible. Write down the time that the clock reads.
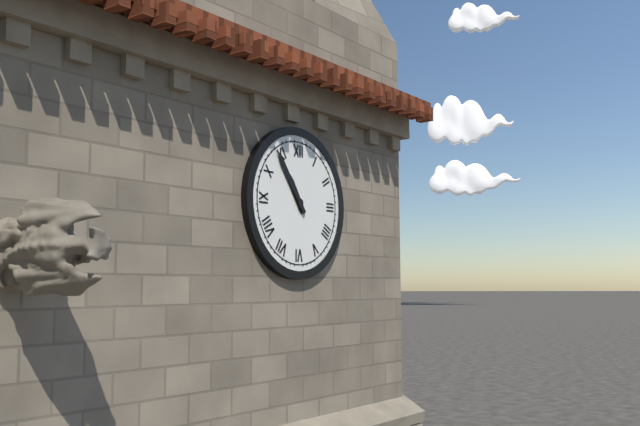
10:54
